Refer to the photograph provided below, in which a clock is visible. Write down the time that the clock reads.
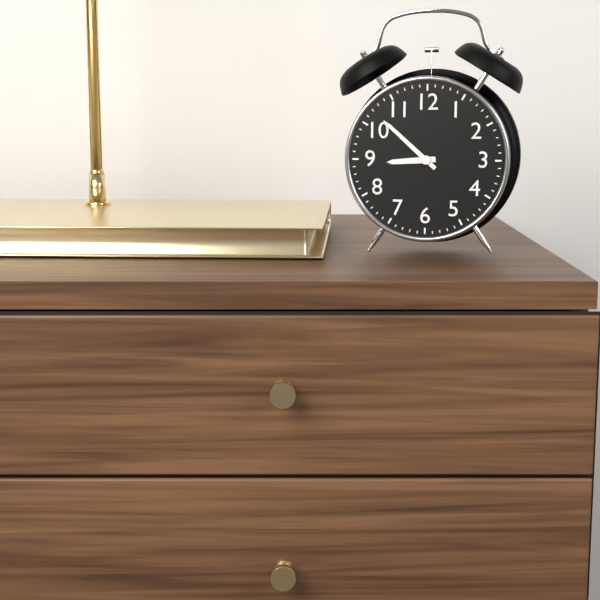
8:52
